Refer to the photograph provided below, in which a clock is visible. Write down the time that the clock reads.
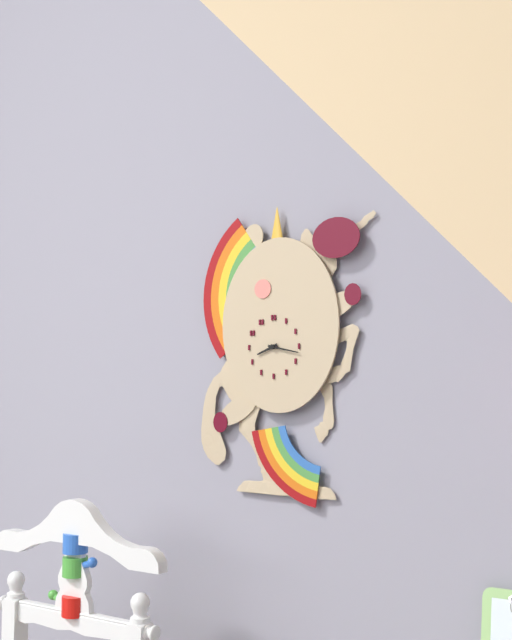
8:17
